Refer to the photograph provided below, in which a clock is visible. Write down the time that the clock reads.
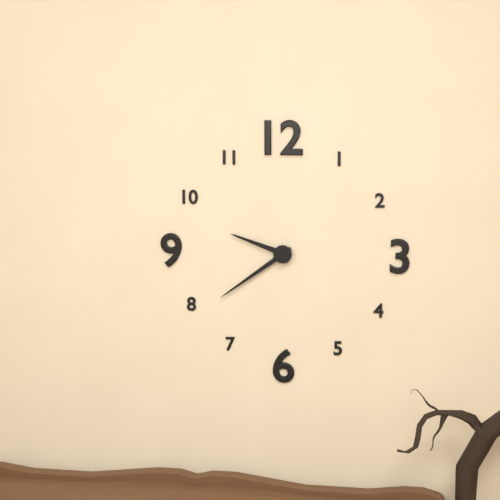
9:39
